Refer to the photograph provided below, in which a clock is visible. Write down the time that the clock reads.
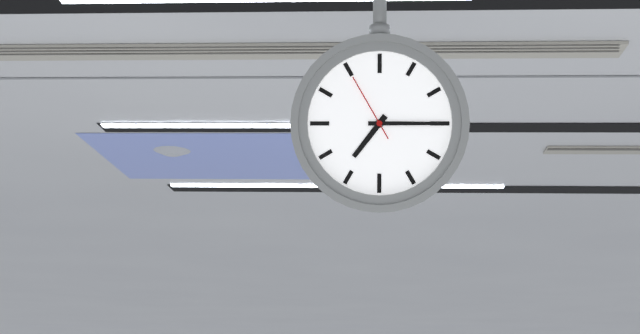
7:15:55
